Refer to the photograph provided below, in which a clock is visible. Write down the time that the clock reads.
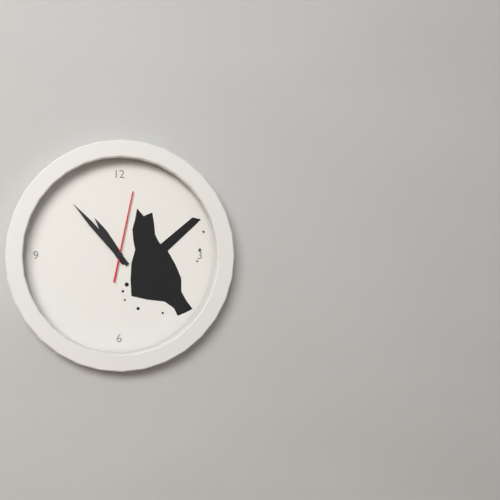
10:53:02
